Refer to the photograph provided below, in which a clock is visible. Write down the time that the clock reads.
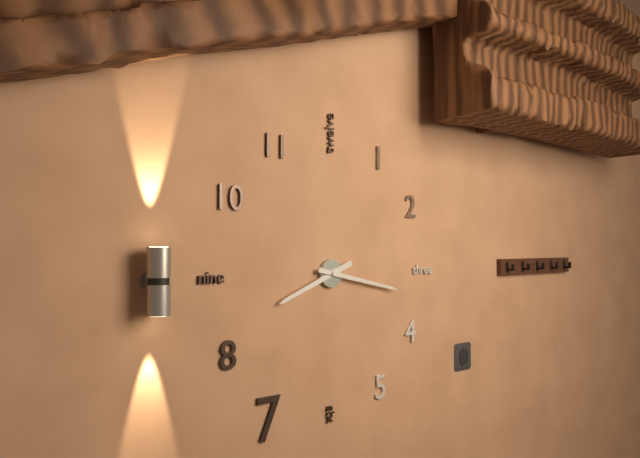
8:17
